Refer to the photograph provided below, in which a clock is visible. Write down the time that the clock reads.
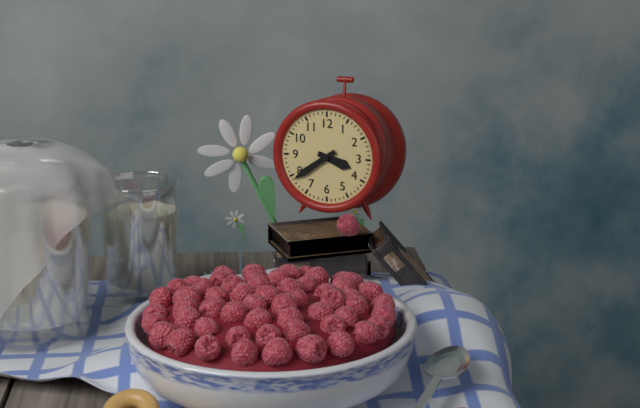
3:39
